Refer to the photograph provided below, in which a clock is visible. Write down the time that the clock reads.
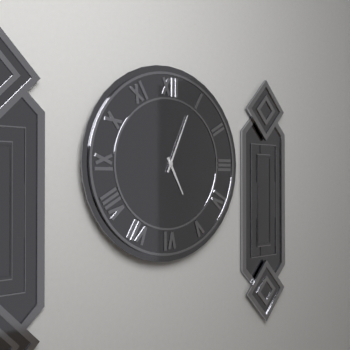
5:04
